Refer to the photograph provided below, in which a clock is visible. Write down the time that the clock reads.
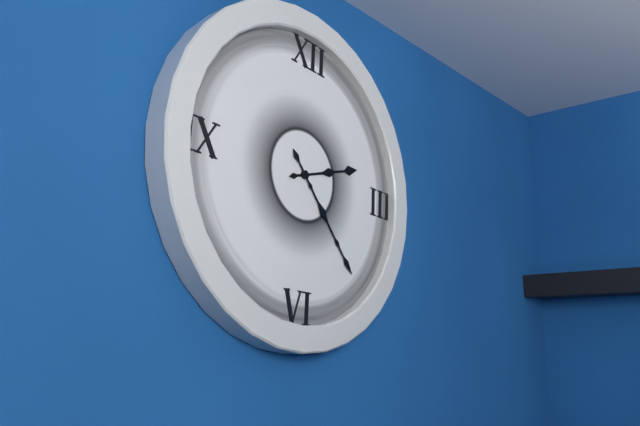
2:23
